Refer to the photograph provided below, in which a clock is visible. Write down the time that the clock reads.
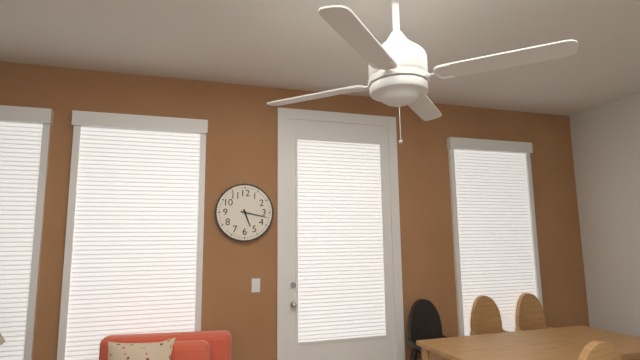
5:17
